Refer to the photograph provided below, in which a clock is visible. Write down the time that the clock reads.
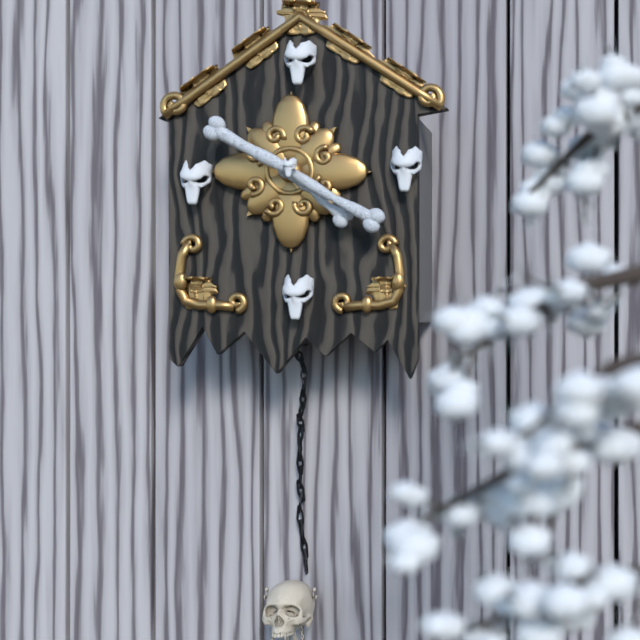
4:20
